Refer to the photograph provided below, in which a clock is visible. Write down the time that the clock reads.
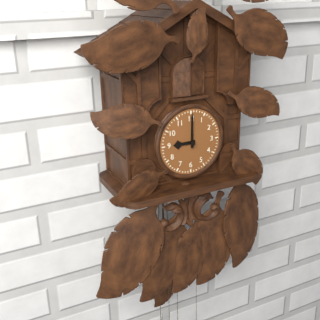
9:00
